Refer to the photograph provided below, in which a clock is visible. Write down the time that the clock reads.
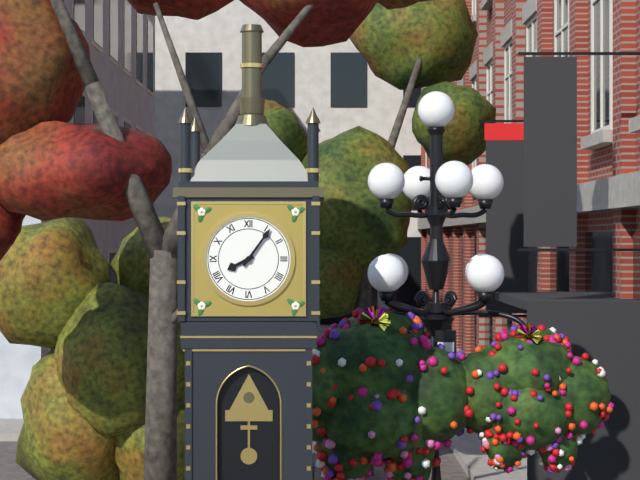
8:06
